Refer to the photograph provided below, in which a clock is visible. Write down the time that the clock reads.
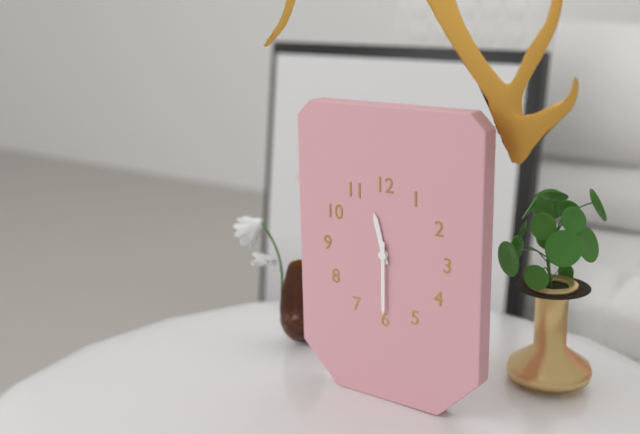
11:30
